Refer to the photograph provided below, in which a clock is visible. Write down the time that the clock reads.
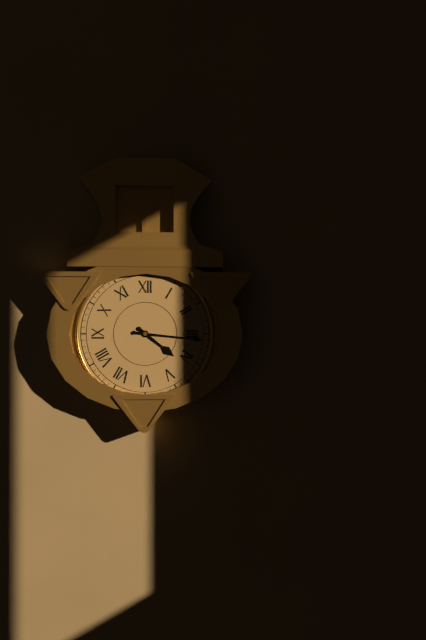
4:16
